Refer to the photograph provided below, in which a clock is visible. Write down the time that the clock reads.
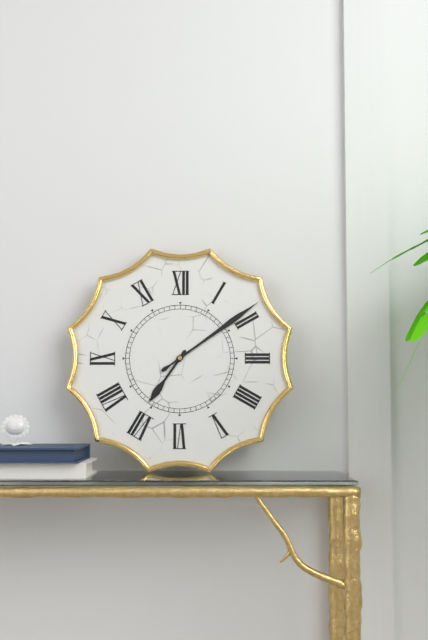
7:09
